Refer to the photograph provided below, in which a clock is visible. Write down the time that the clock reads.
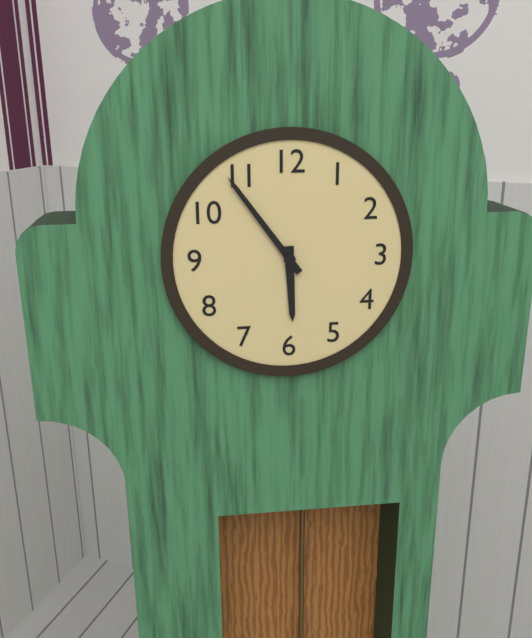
5:54
